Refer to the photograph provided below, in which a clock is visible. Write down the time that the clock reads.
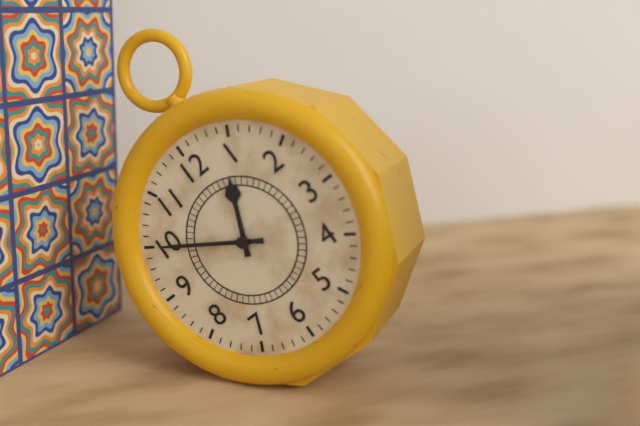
12:50
